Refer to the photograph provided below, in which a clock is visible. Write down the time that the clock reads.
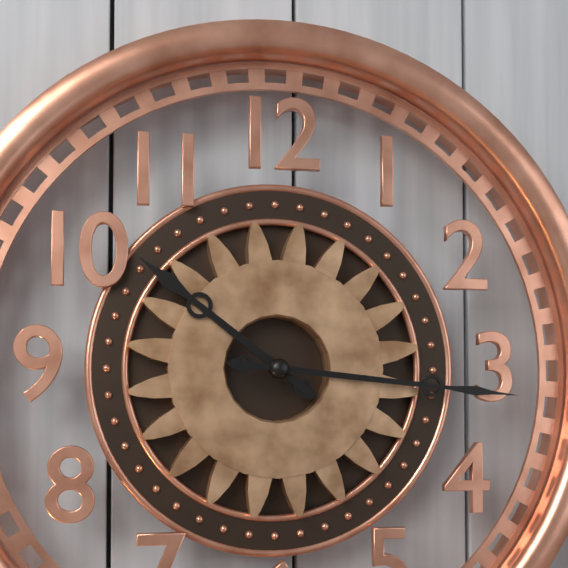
10:16
